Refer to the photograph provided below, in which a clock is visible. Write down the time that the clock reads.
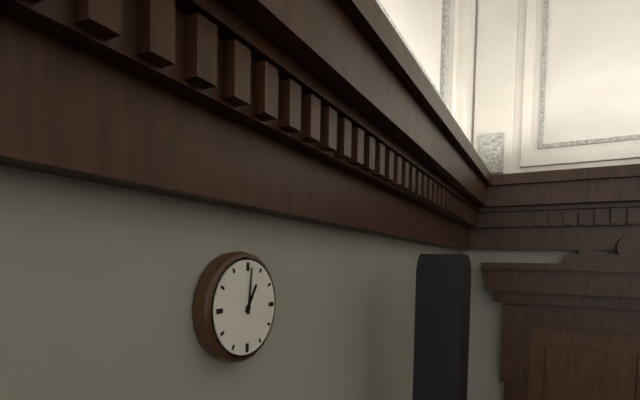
1:01
